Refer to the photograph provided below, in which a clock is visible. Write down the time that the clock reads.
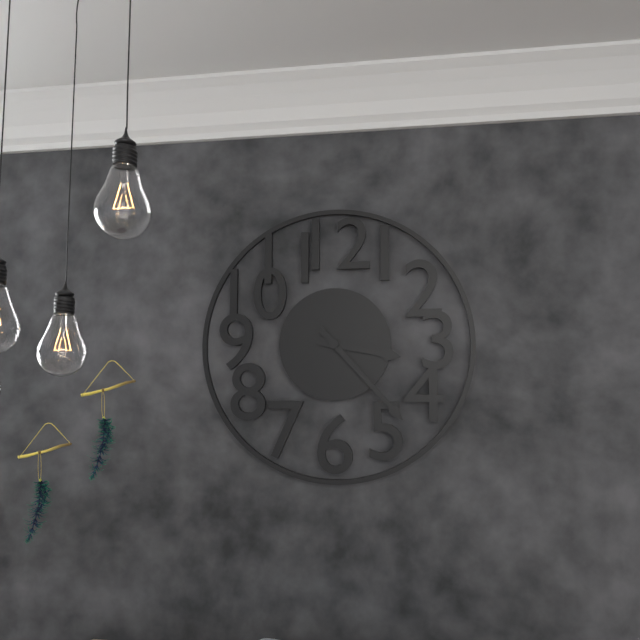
3:23
